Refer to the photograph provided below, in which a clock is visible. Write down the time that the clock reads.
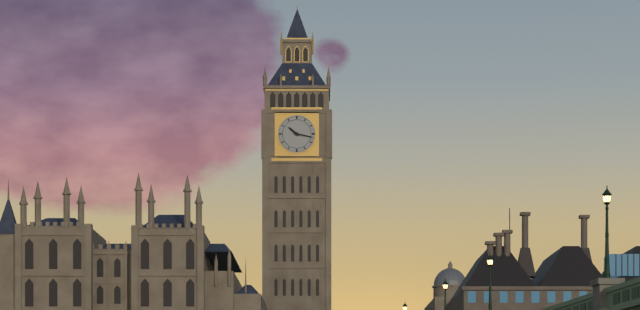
10:17
